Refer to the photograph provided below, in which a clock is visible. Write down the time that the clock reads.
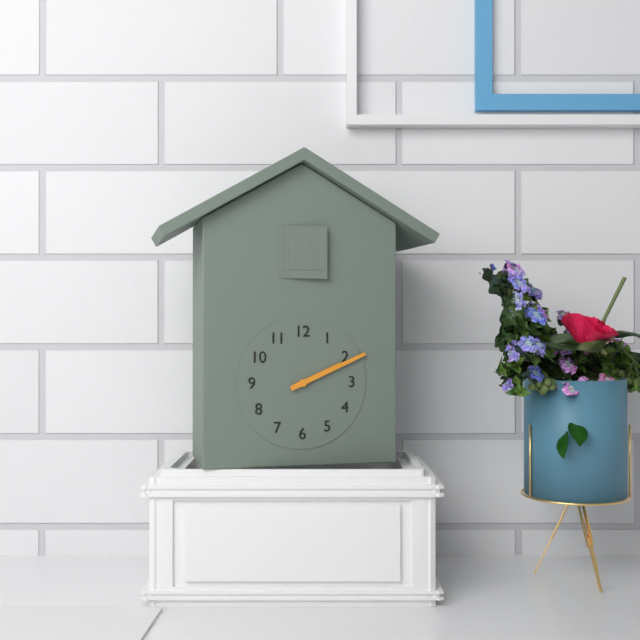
2:11
